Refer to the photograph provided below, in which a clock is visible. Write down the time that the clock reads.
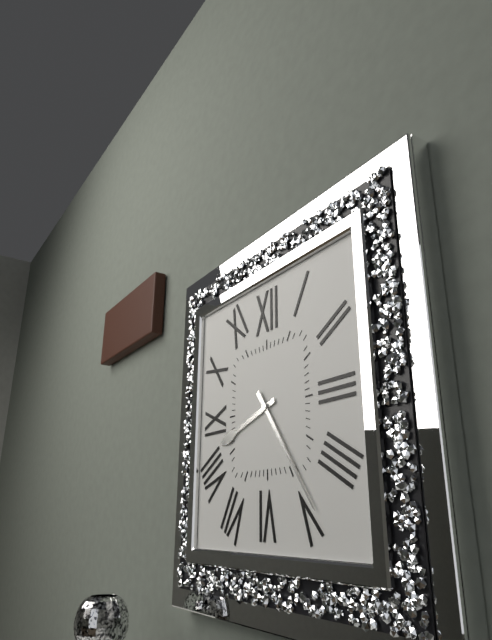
8:24
